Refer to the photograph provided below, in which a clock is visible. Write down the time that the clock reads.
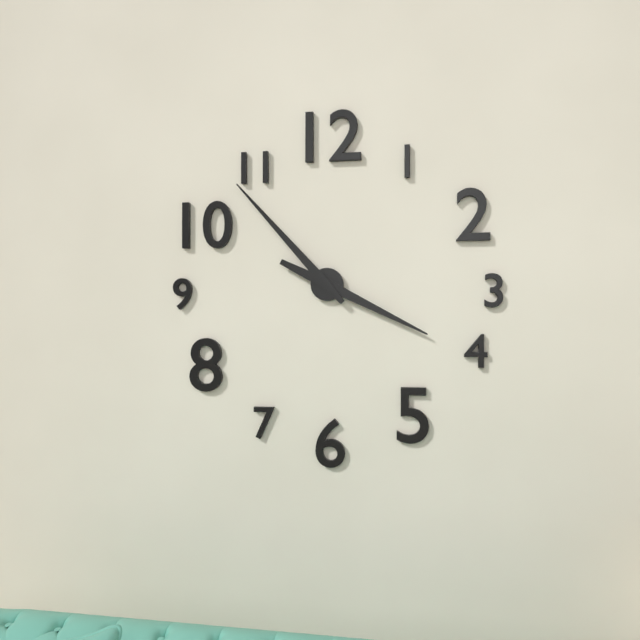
3:53
